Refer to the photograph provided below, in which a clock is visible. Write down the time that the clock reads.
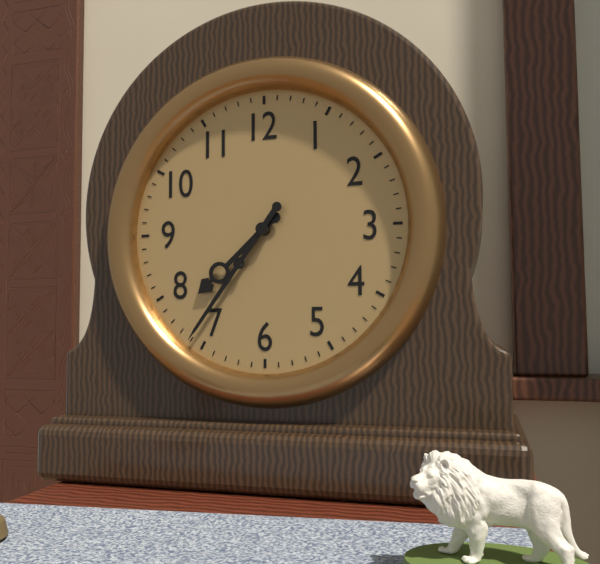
7:36
